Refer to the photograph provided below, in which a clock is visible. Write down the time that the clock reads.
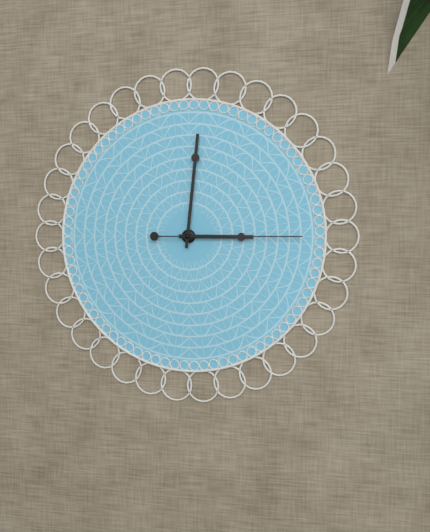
3:01:15
